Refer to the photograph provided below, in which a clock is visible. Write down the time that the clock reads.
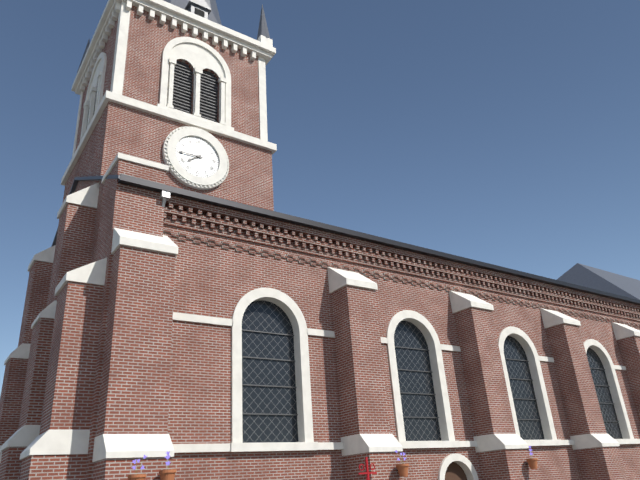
7:45
